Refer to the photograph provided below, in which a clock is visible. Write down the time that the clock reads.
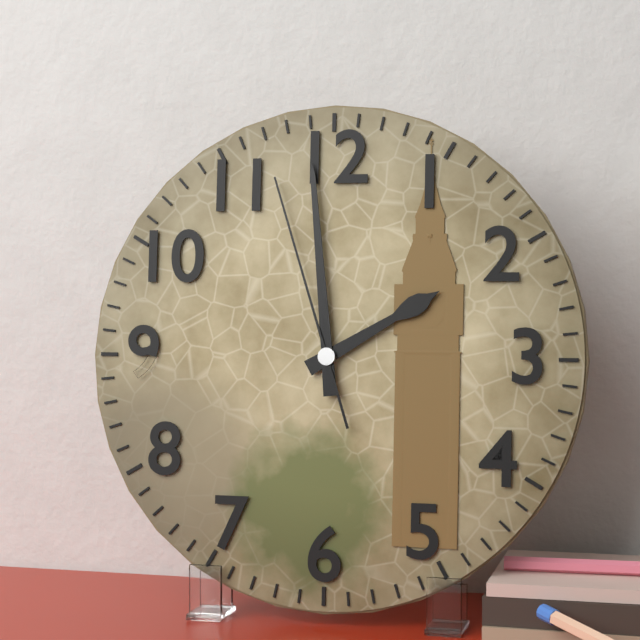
1:59:57
